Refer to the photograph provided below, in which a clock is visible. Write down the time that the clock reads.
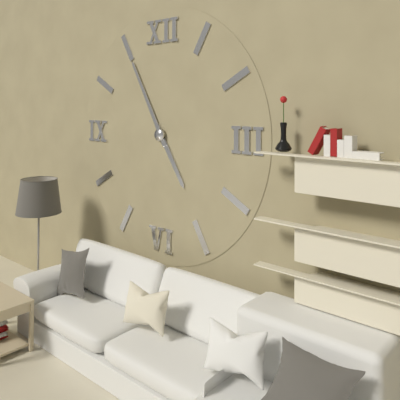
4:55
